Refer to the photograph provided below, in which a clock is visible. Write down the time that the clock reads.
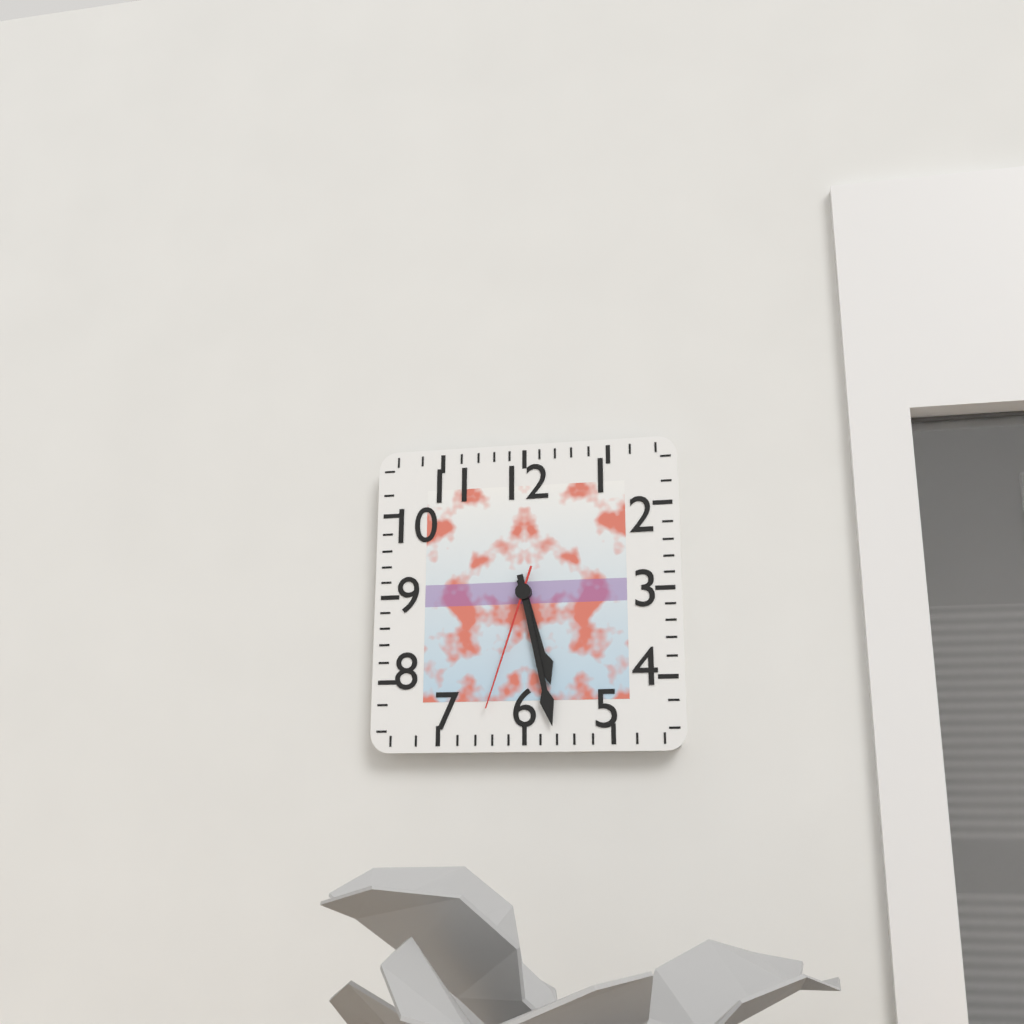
5:28:33
